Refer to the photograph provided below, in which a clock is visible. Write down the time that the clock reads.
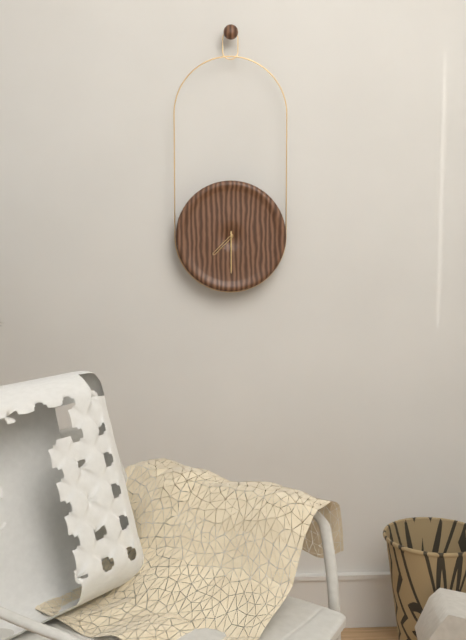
7:30
